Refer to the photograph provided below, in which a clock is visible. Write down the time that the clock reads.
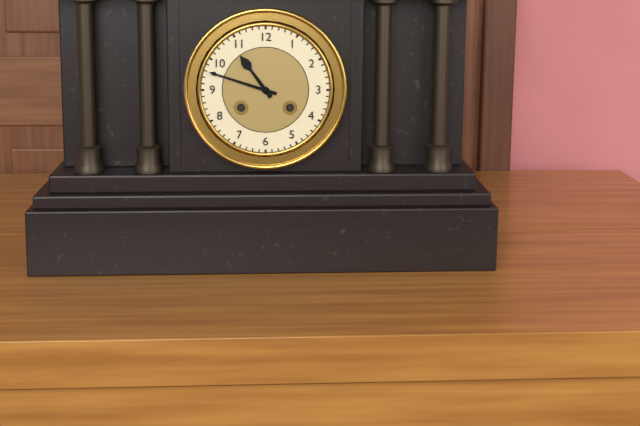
10:48
